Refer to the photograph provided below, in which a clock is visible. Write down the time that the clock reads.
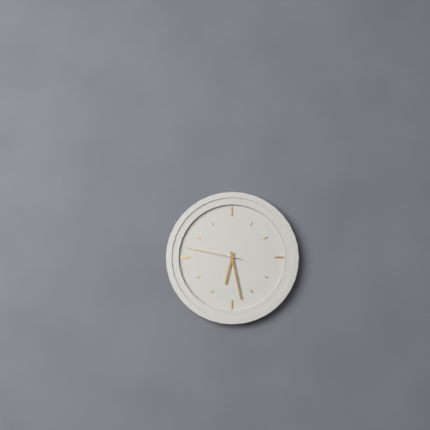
6:28:47
